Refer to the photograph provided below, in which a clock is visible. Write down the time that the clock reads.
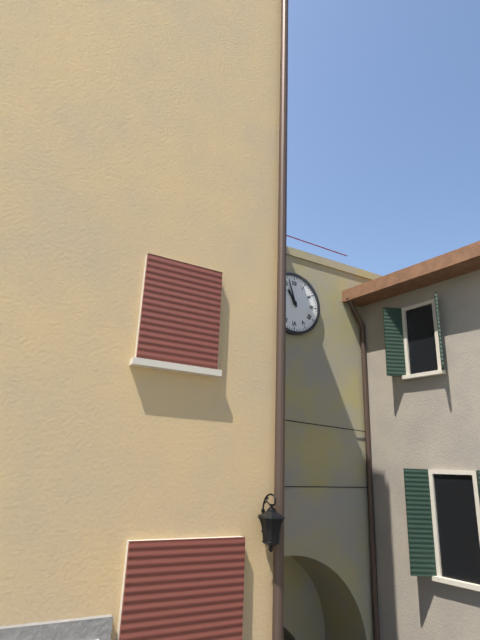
10:57
